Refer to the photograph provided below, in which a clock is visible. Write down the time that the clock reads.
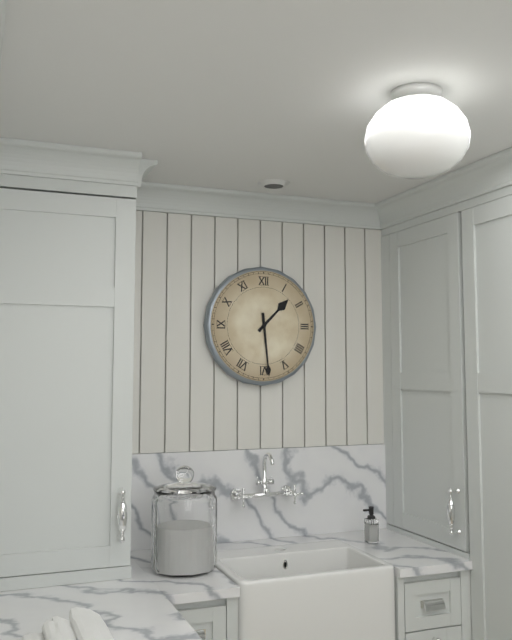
1:29
